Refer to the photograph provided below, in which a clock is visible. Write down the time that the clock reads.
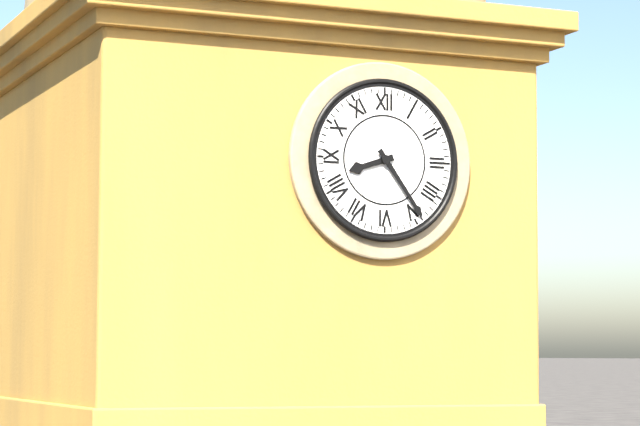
8:24
